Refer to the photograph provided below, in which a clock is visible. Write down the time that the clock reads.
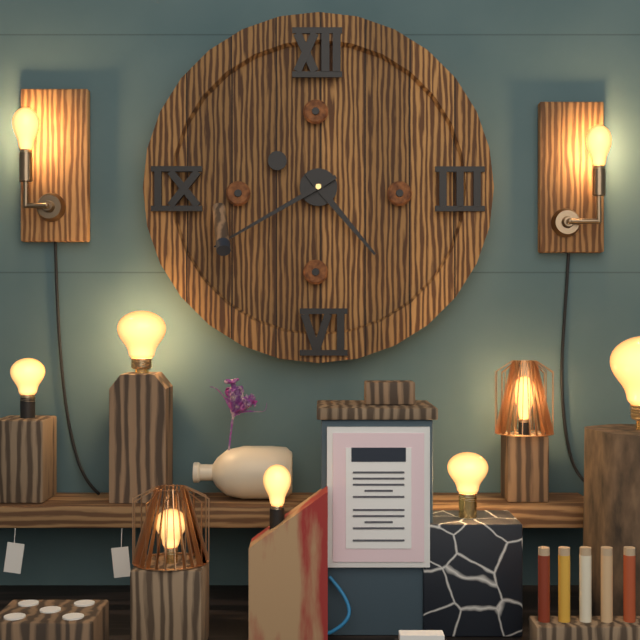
4:40
